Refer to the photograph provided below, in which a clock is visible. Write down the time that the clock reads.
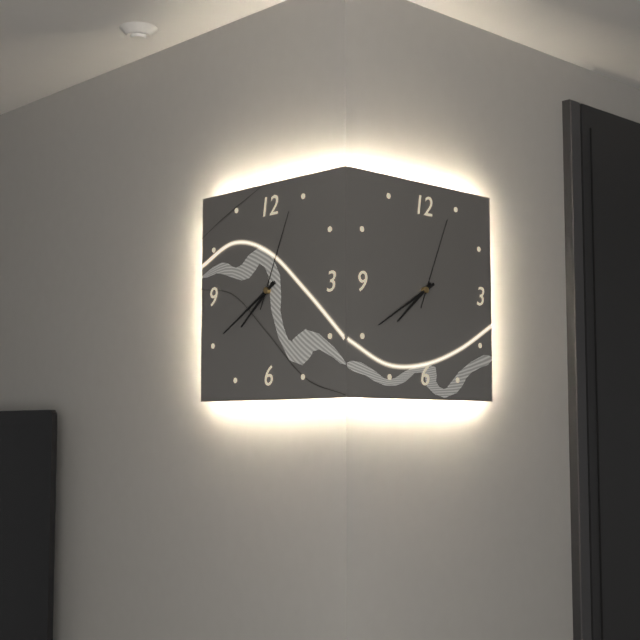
7:40:04
